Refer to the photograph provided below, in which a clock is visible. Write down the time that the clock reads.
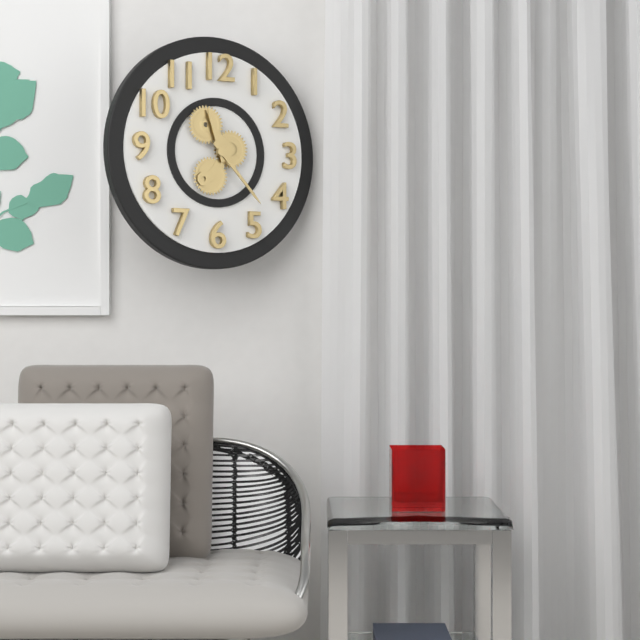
11:23
